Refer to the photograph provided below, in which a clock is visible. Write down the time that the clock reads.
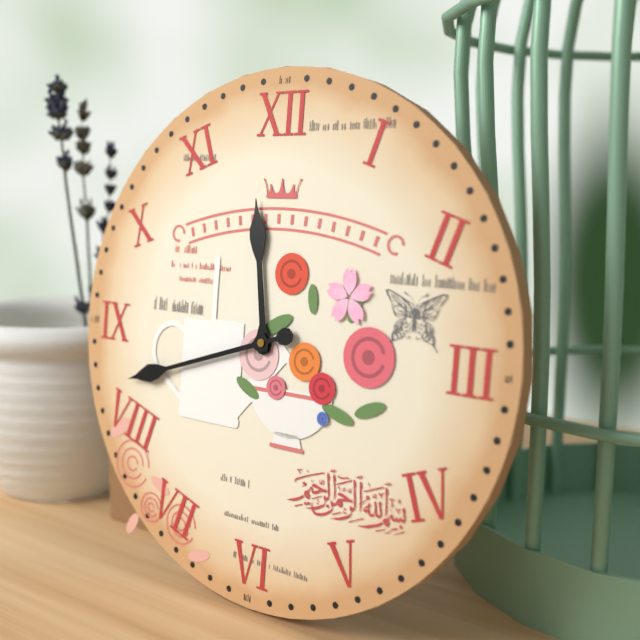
11:42
